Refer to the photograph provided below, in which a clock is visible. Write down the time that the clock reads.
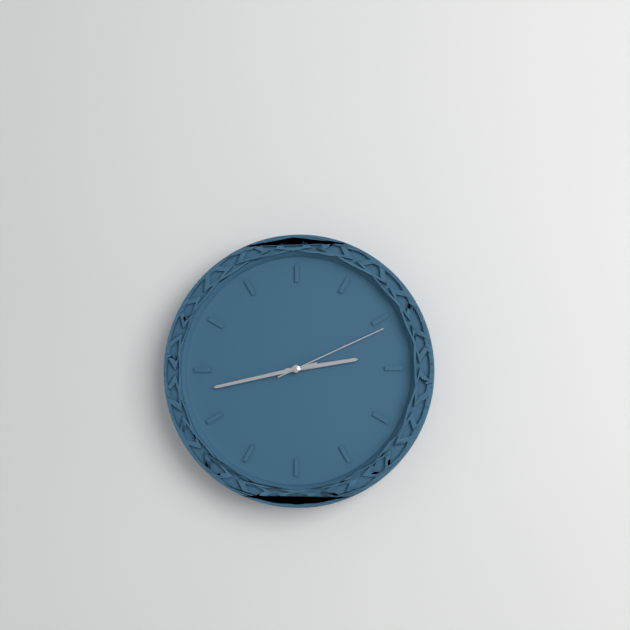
2:43:11
